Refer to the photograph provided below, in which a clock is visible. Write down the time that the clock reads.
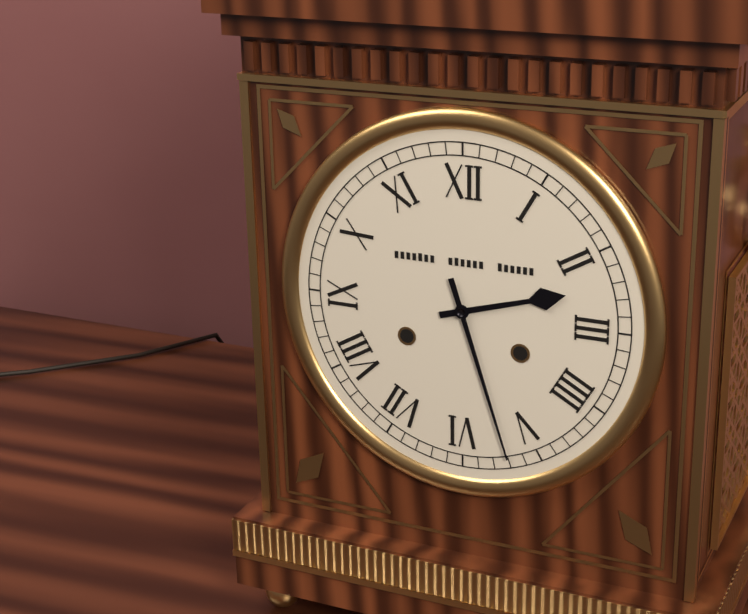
2:27
